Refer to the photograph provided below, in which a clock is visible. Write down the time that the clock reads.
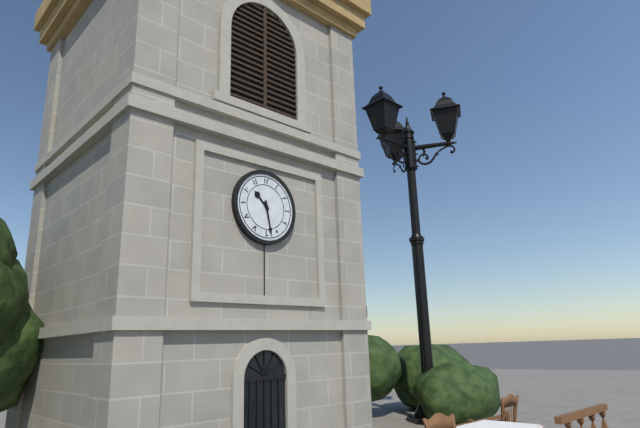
10:28
